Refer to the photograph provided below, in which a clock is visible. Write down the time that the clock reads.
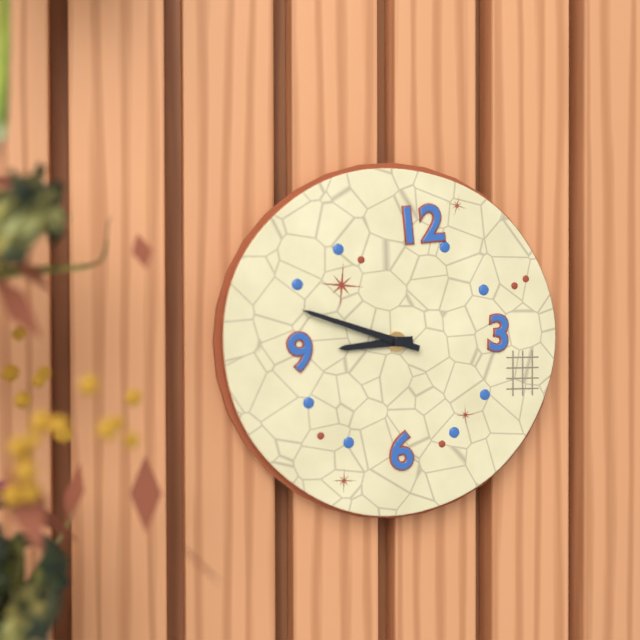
8:48
